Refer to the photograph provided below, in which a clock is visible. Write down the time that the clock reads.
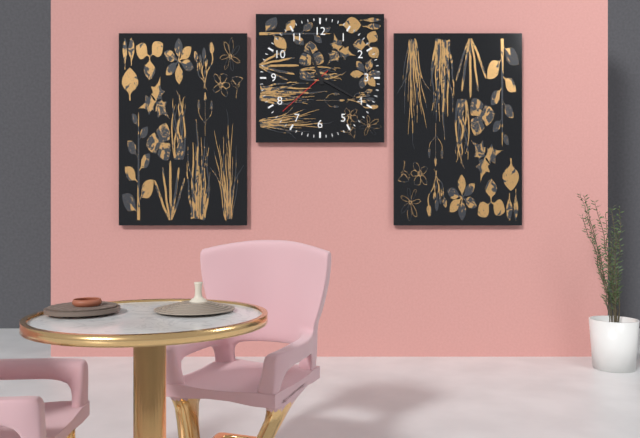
11:20:38
